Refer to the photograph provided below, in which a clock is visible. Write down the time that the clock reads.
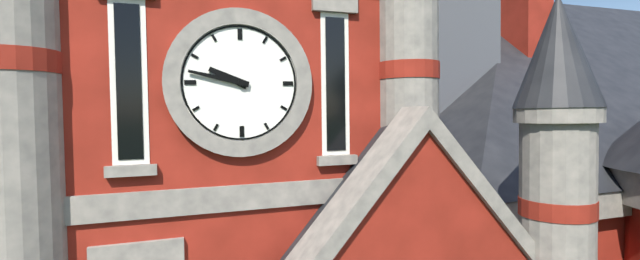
9:47
